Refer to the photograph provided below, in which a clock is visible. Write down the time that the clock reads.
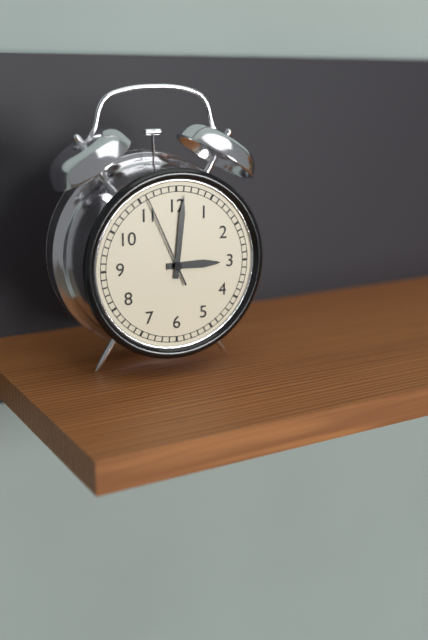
3:01:56
